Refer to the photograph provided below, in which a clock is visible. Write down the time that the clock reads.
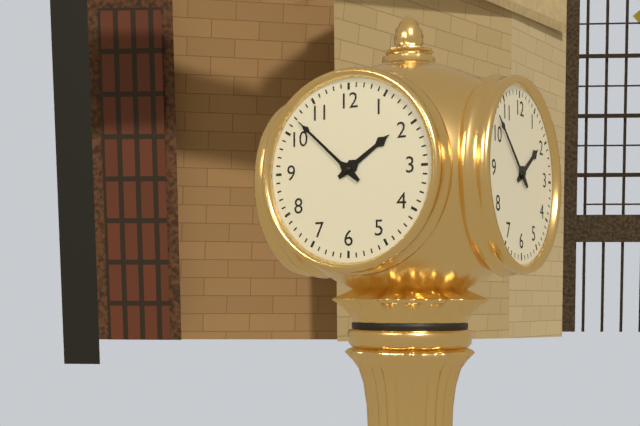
1:52
